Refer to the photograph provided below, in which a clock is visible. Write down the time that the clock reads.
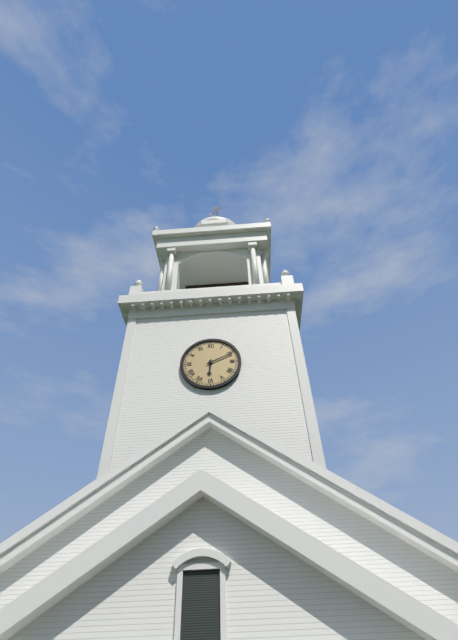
6:11
